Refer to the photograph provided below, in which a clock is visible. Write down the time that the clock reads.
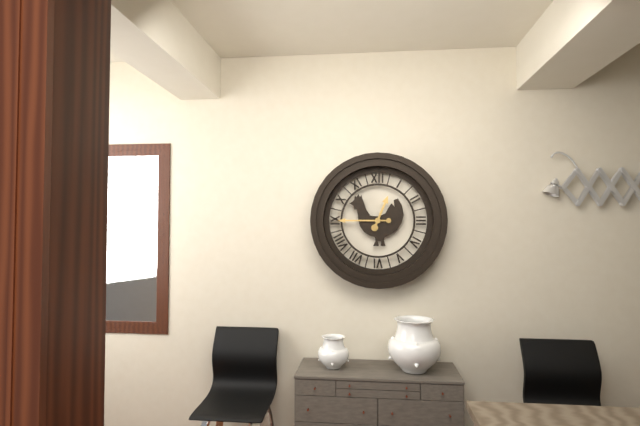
12:45
